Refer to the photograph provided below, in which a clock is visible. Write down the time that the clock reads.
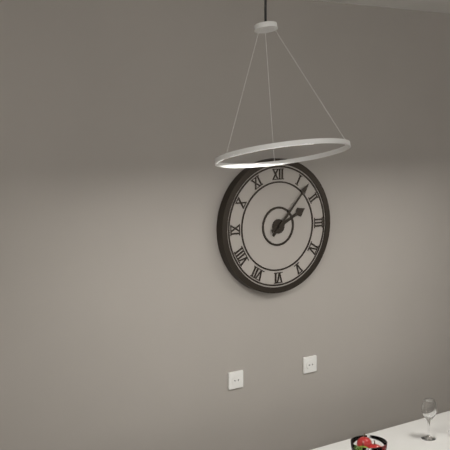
2:07
